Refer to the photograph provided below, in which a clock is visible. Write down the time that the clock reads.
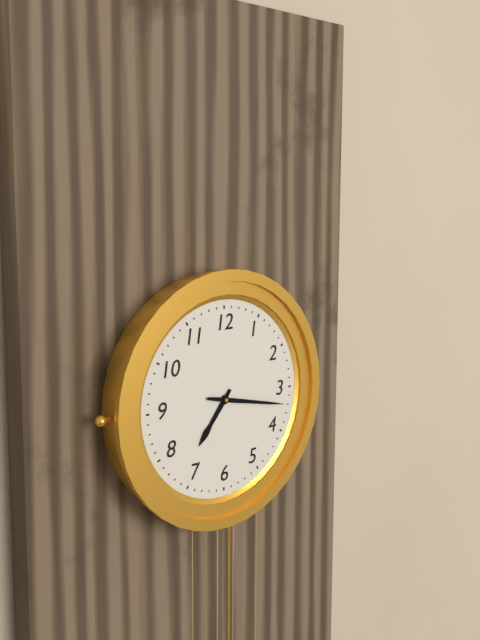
7:17
